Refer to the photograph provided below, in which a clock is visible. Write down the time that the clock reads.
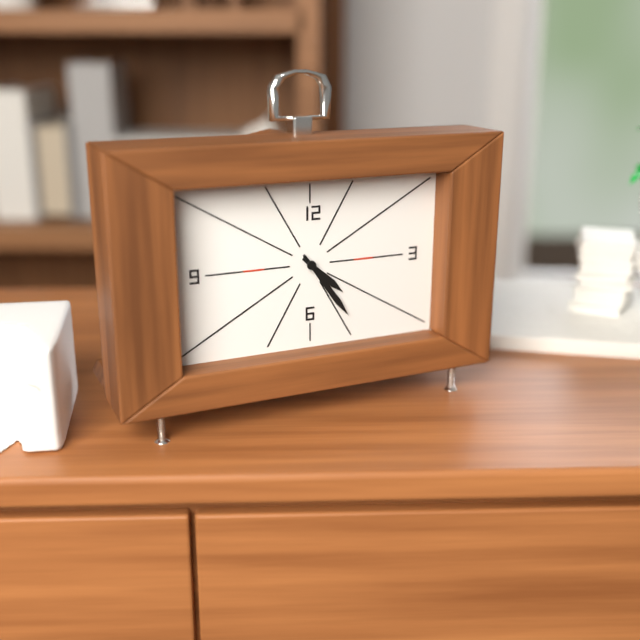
4:24
